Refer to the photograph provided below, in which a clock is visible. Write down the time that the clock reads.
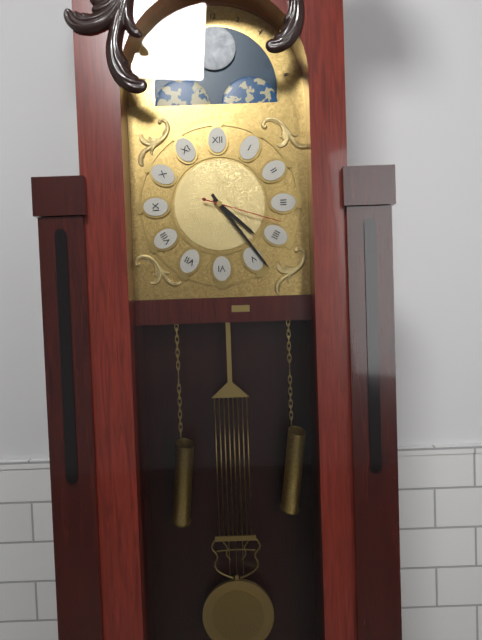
4:24:18
